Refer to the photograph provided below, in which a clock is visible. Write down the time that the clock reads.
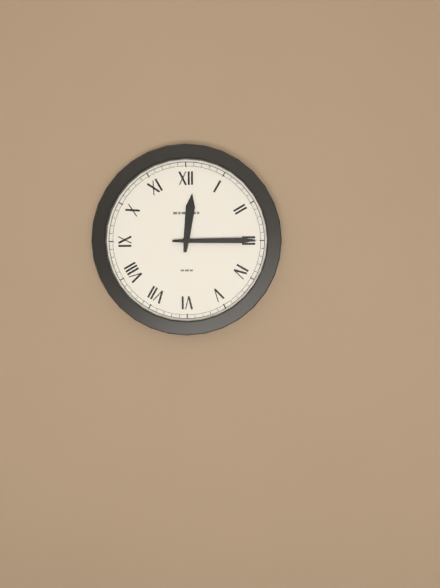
12:15
